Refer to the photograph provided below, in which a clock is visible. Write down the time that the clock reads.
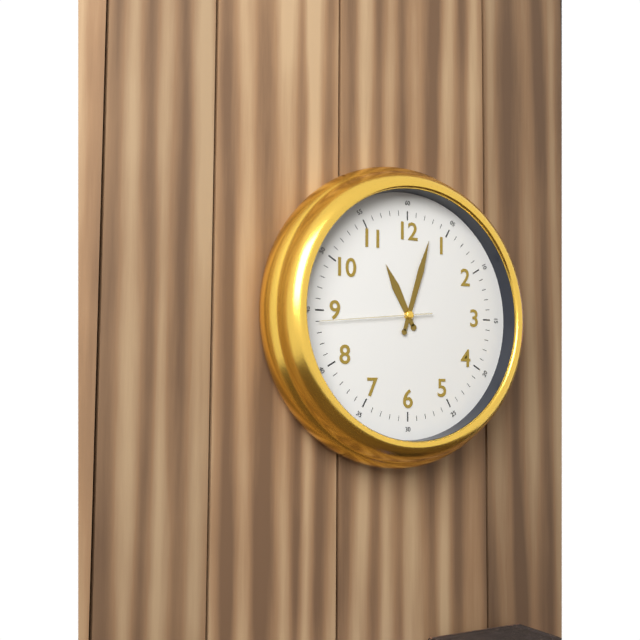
11:03:44
